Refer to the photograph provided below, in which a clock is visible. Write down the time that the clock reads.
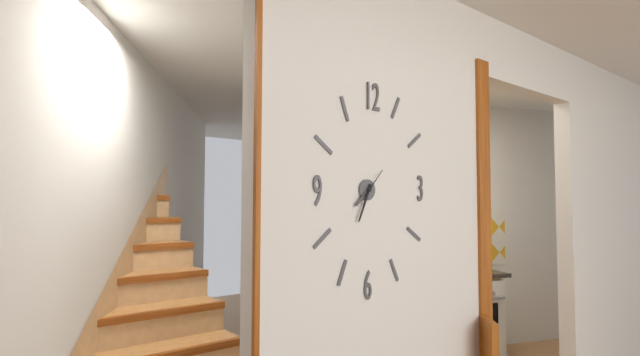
7:34
